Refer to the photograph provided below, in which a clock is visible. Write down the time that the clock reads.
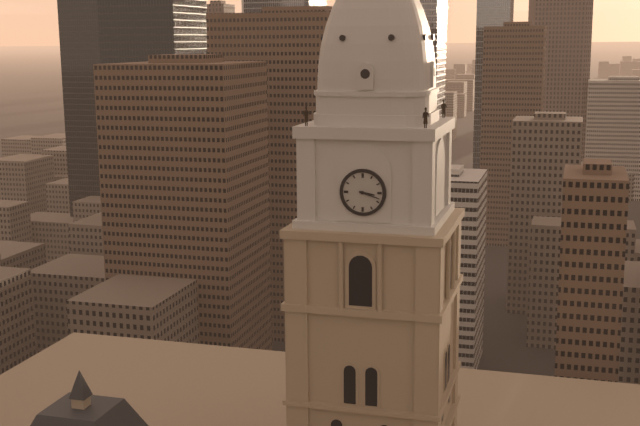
3:18
